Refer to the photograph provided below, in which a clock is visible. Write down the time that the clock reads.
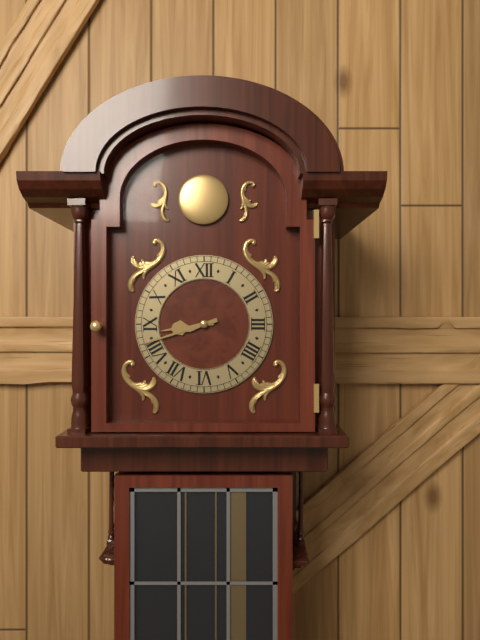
8:42
